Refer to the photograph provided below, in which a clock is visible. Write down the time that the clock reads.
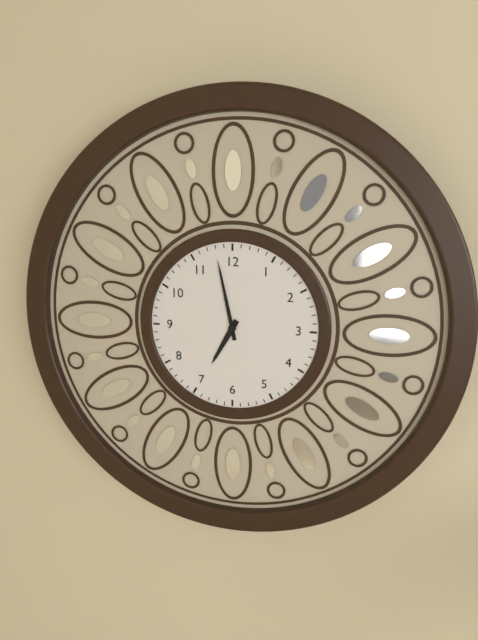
6:58
